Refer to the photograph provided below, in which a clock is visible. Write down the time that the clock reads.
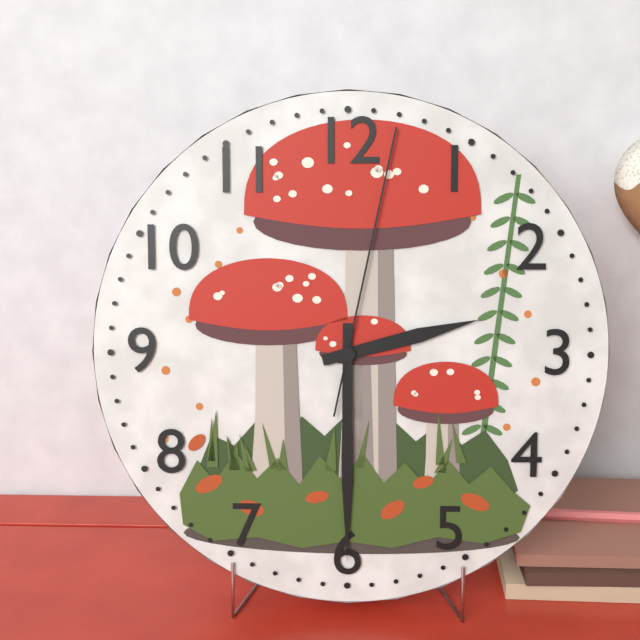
2:30:02
